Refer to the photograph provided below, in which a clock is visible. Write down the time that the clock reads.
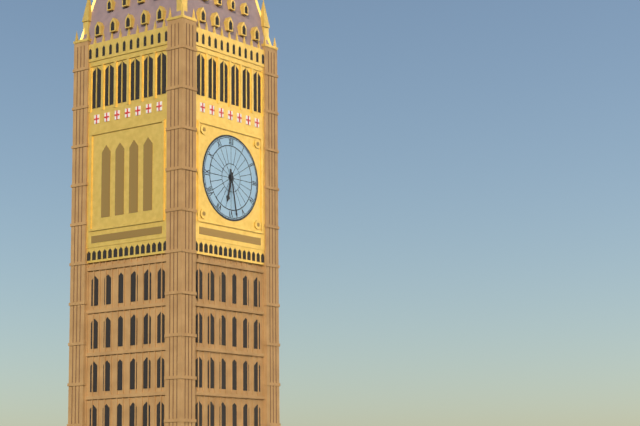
6:28
